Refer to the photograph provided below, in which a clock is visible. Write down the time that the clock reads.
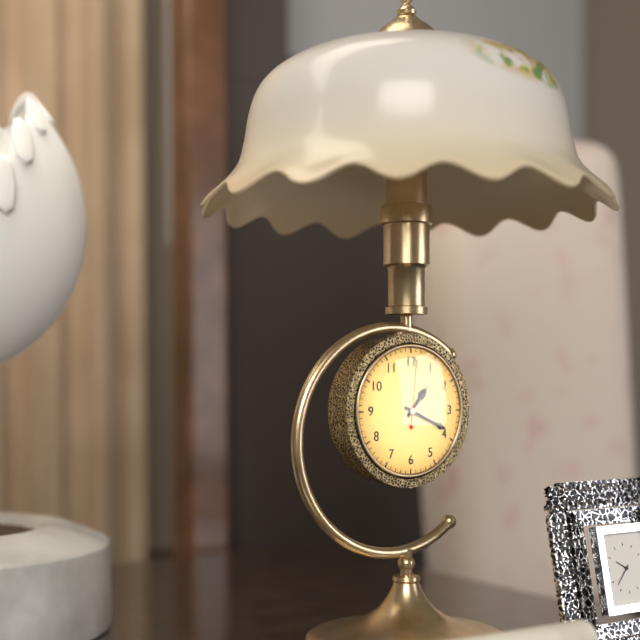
1:19:01
